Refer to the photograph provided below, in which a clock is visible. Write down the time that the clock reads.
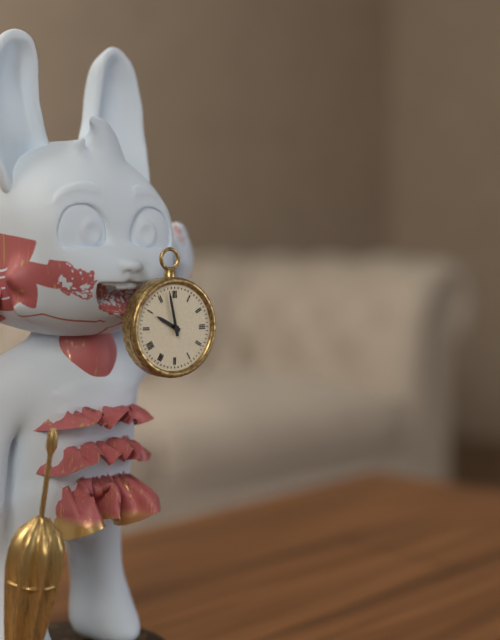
9:58
